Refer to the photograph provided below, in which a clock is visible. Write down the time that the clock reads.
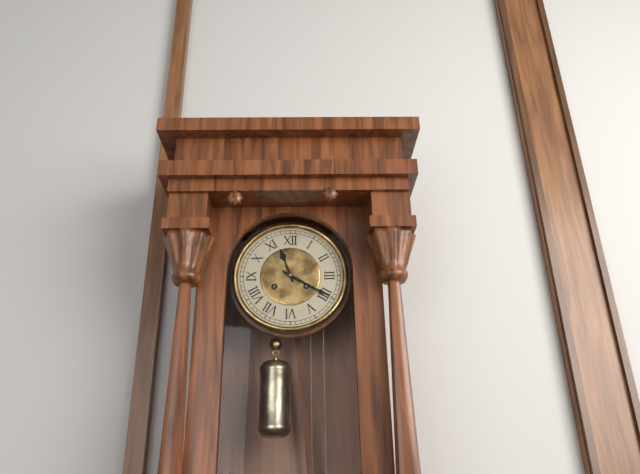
11:20
